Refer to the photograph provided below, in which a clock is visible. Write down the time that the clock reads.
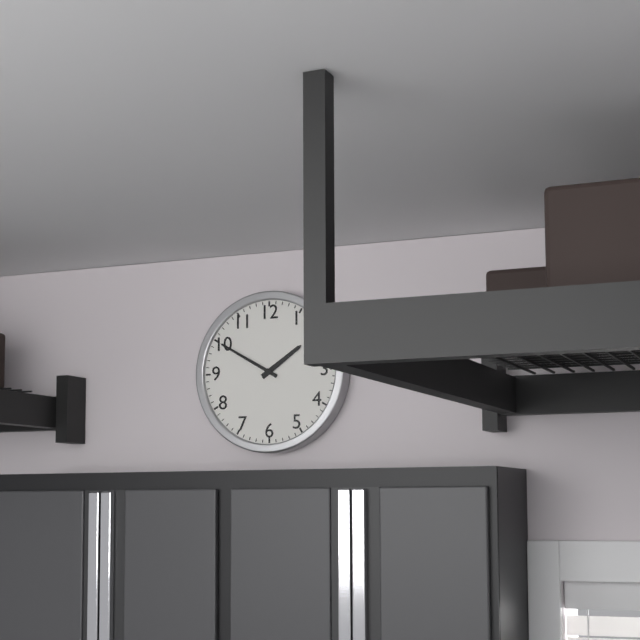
1:50
